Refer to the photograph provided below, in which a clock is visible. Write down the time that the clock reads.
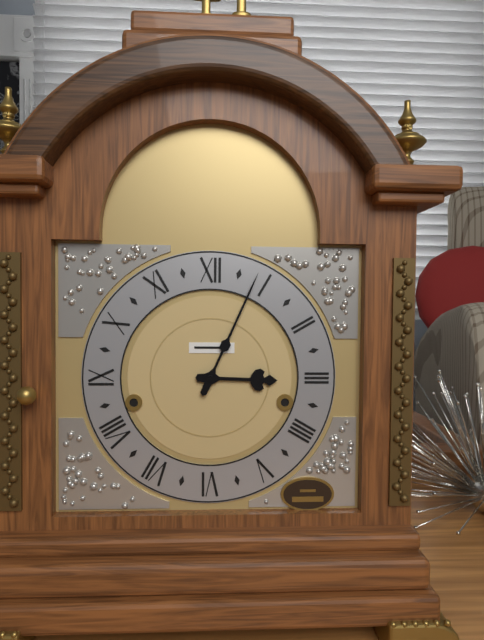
3:04
